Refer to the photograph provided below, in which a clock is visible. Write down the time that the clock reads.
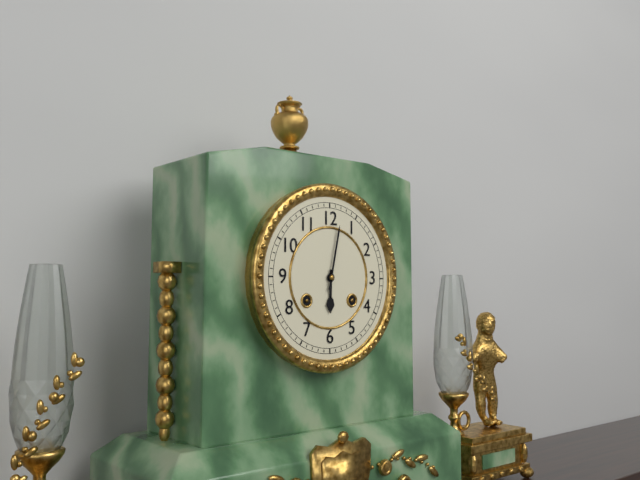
6:02
